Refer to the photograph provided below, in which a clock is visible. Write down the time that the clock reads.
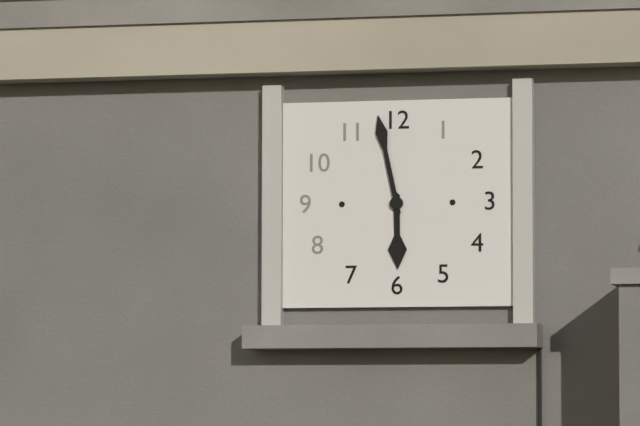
5:58
